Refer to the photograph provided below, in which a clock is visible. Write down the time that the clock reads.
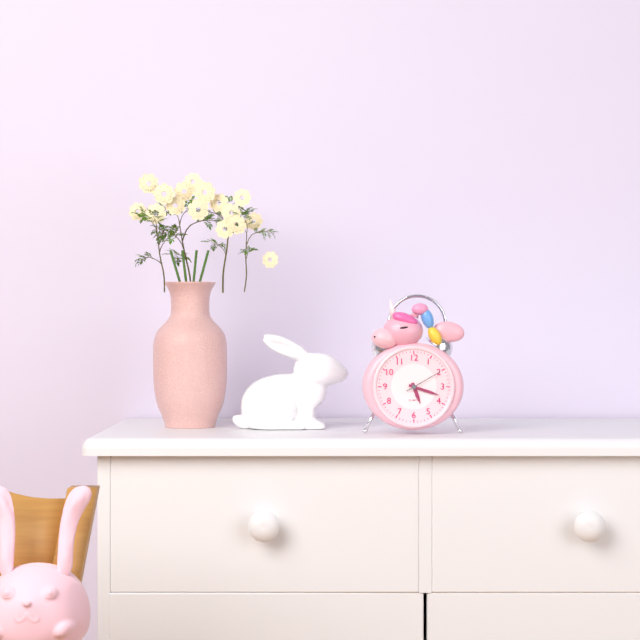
5:18
